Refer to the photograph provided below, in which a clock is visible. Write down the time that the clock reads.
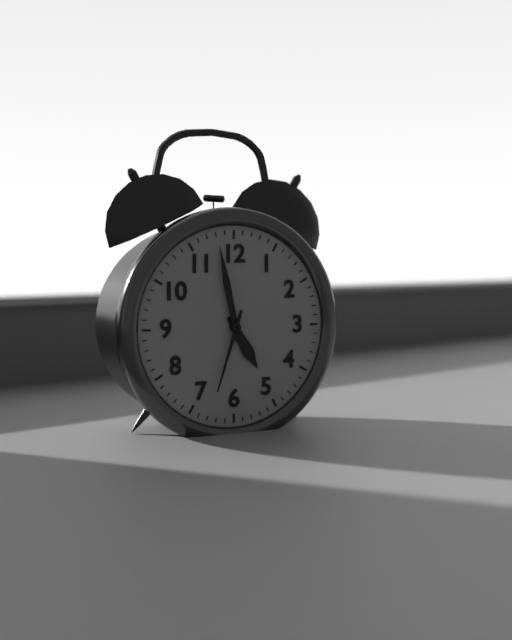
4:58:33
